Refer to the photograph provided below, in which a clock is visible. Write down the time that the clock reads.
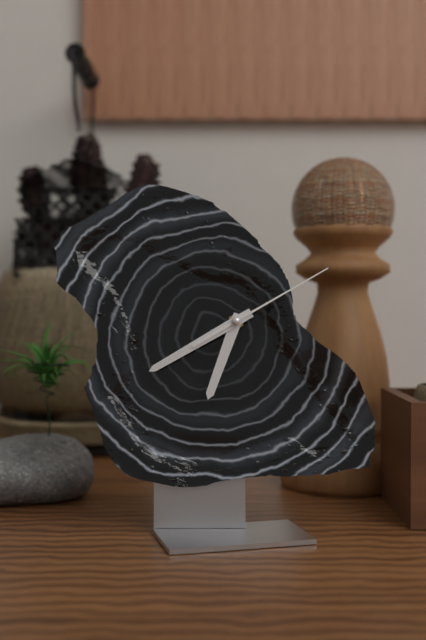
6:40:10
